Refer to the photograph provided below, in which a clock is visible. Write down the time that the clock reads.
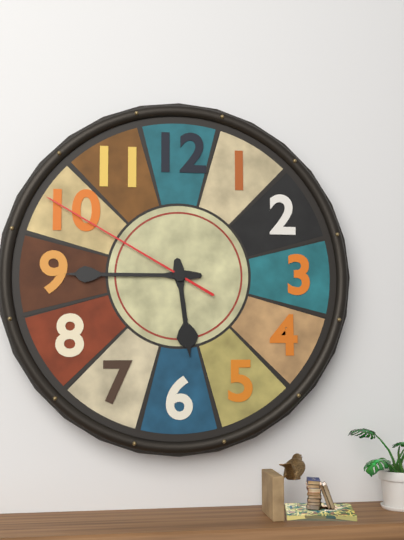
5:45:50
